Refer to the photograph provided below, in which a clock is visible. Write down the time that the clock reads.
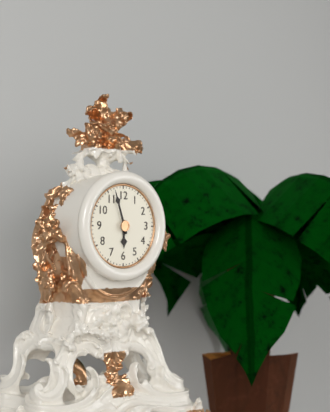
5:57
